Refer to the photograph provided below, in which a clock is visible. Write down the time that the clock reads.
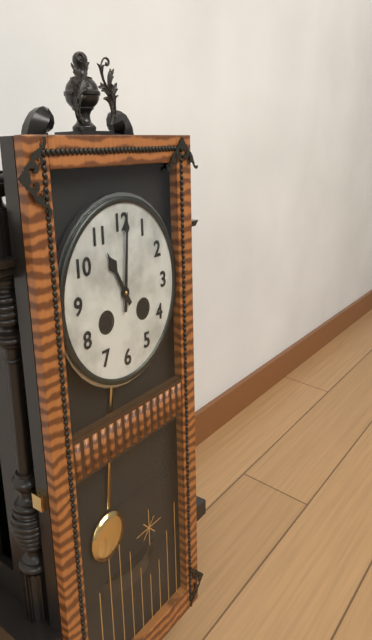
11:01
